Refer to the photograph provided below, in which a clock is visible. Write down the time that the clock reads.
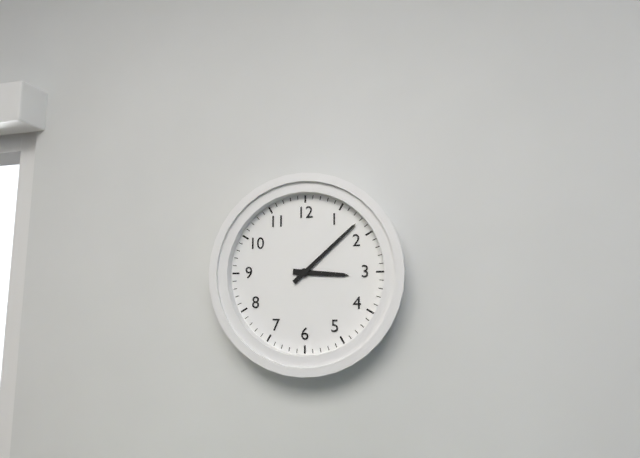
3:08
